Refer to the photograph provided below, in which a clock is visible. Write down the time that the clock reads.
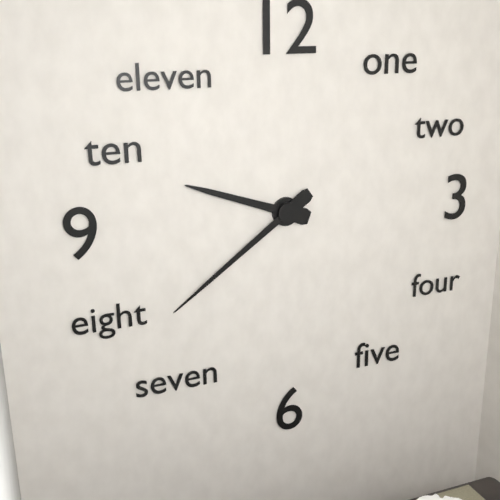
9:39
